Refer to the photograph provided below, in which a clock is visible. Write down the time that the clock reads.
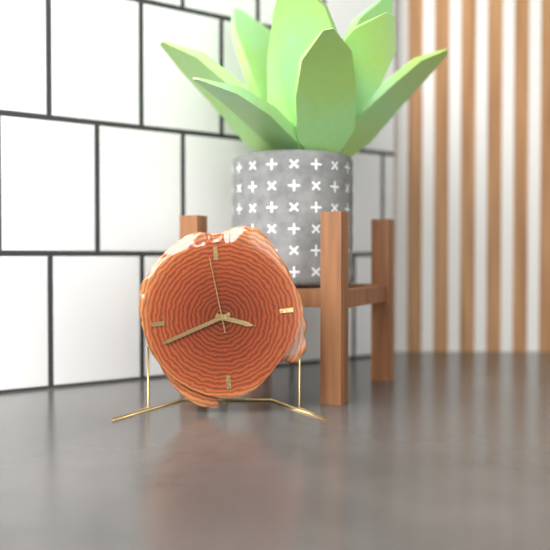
3:42:59
